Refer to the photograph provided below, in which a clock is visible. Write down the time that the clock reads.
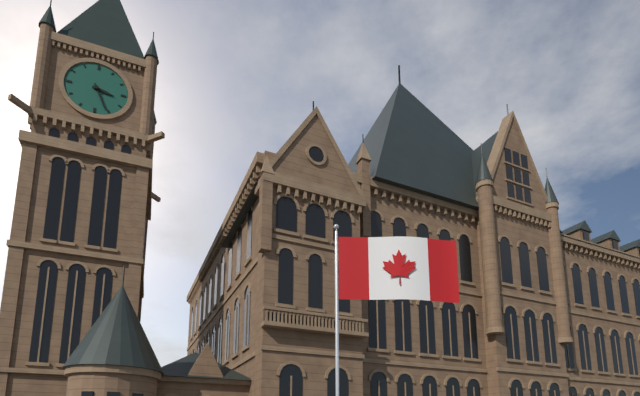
3:26
